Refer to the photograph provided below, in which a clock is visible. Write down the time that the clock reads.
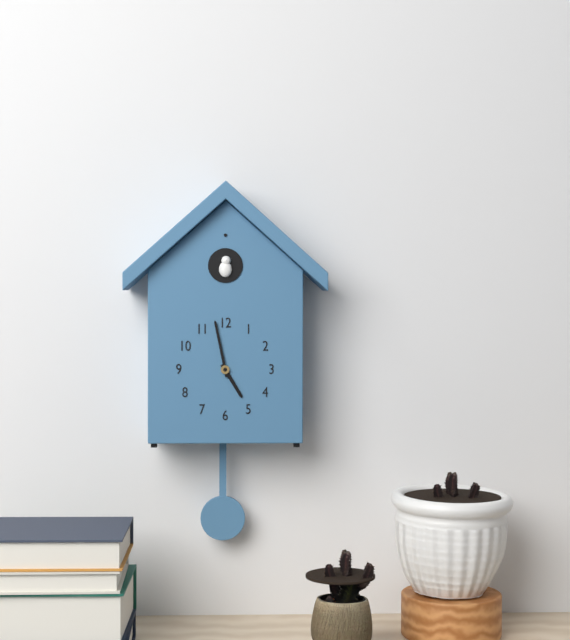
4:58
